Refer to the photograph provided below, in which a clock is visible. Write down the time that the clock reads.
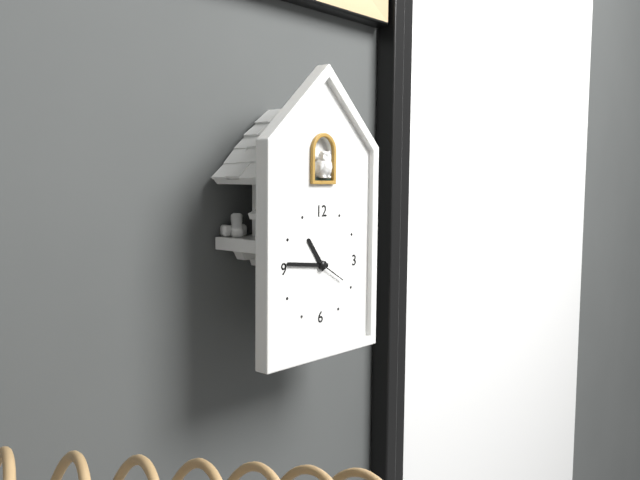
10:46:20
